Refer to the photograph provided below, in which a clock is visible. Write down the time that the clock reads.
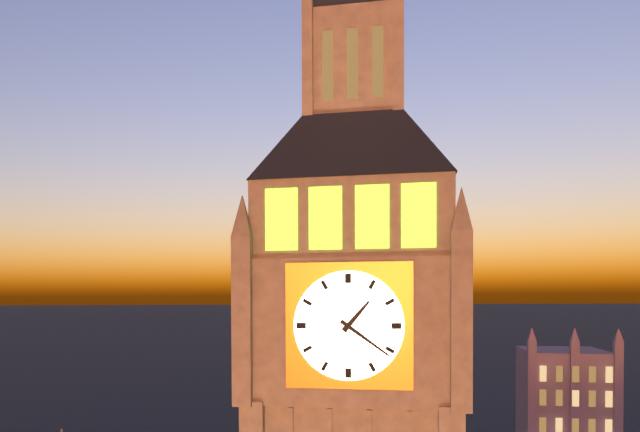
1:21
